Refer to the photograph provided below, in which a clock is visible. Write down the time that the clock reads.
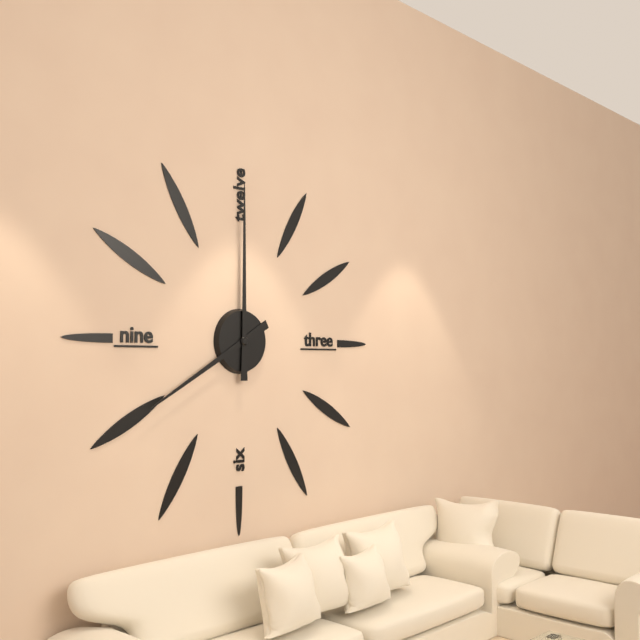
8:00
